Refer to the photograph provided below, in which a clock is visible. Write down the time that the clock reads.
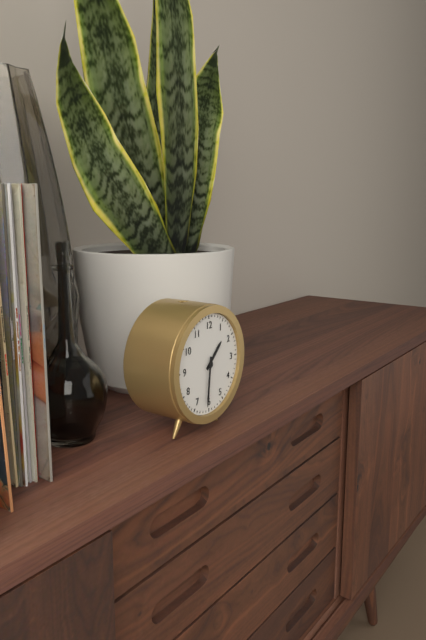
1:31
